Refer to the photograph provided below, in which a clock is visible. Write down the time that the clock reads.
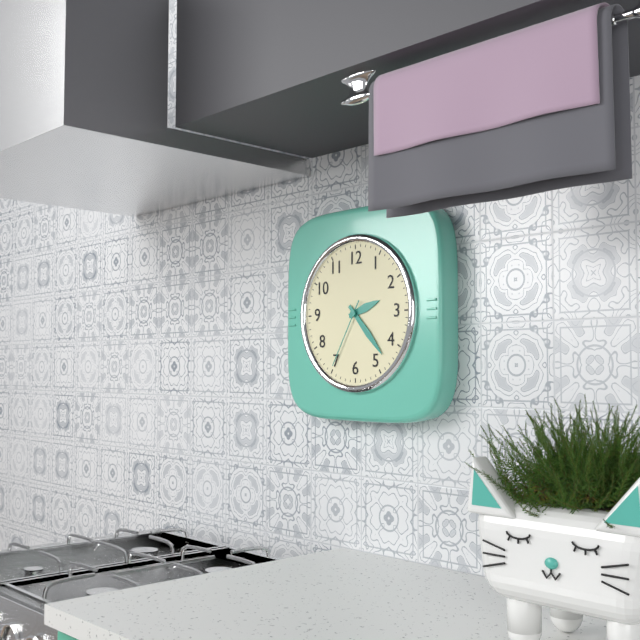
2:23:35
